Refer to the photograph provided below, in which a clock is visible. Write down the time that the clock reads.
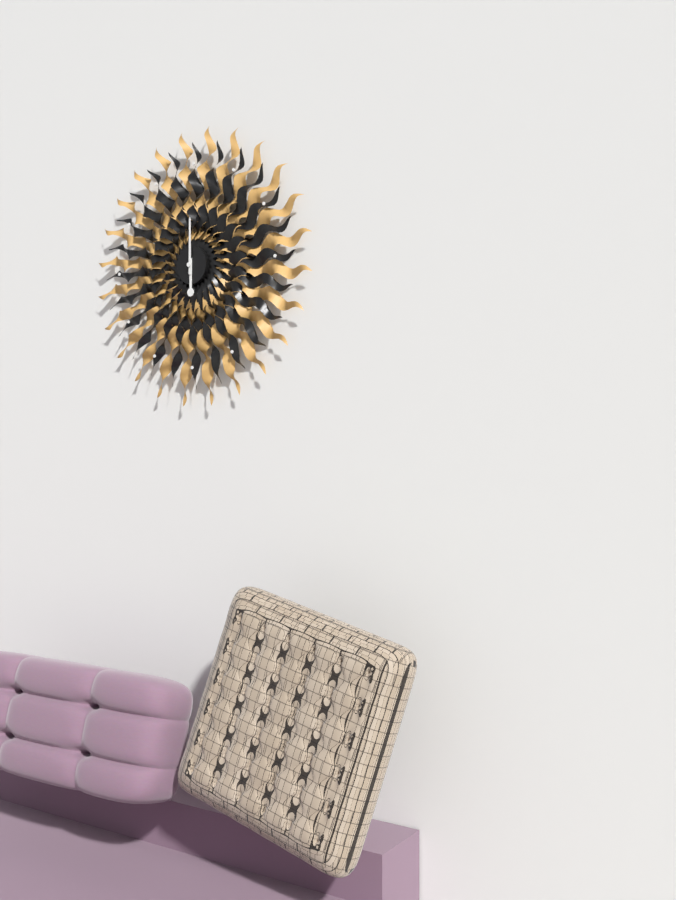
6:00
